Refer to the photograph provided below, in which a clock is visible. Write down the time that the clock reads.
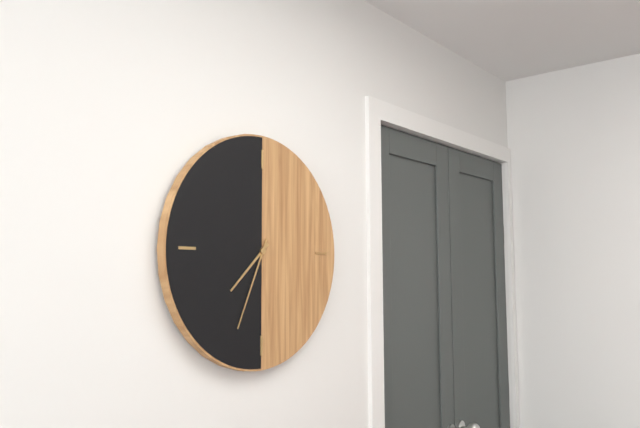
7:34
